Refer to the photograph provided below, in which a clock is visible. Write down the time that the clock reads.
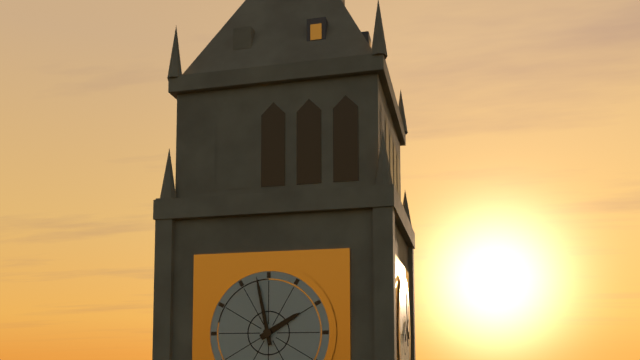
1:58
